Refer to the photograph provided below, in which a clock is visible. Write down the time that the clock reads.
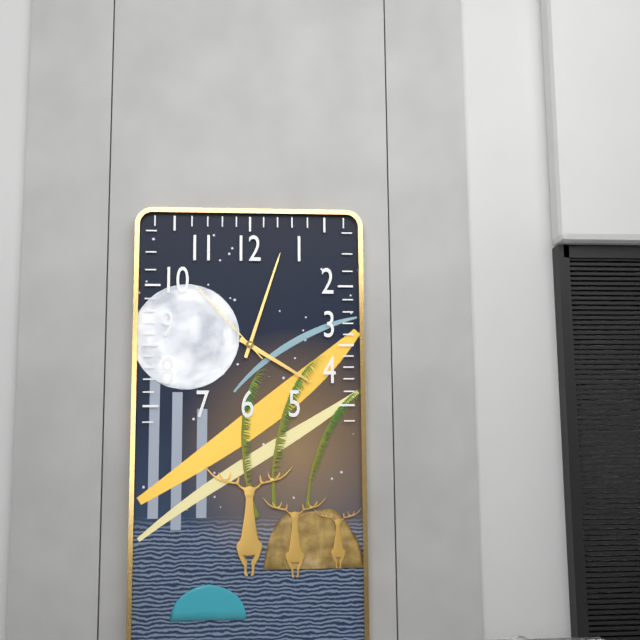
4:03:53
